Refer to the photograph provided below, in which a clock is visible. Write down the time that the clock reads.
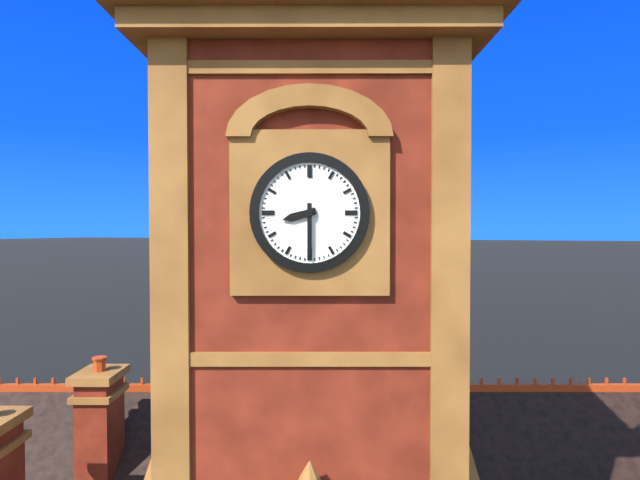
8:30
